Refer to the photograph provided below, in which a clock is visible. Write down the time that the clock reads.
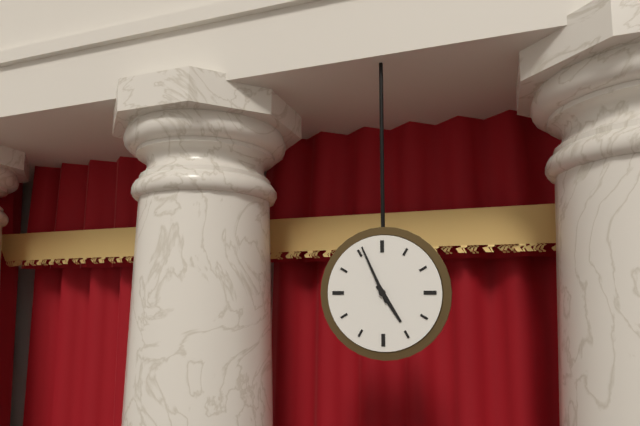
4:56
